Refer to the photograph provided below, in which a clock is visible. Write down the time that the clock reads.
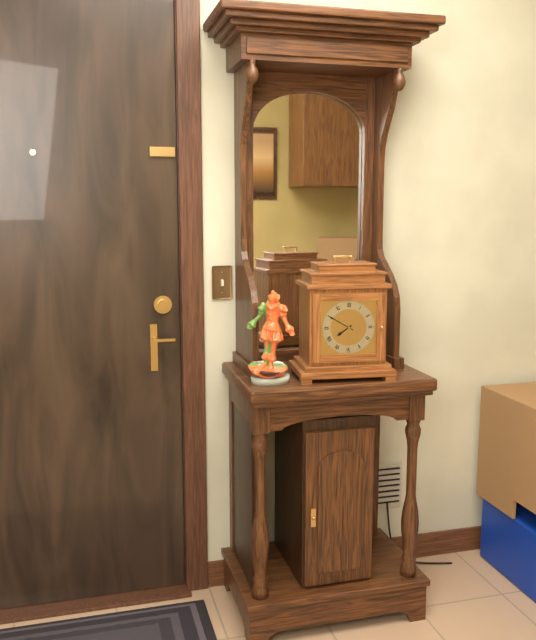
7:50
